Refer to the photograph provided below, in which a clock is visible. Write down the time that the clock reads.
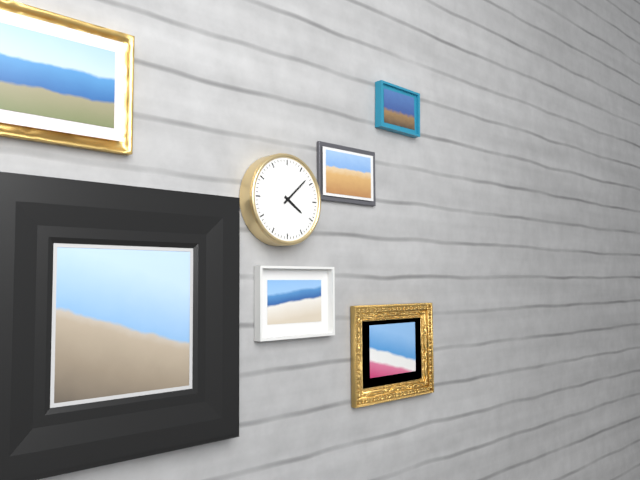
4:08
